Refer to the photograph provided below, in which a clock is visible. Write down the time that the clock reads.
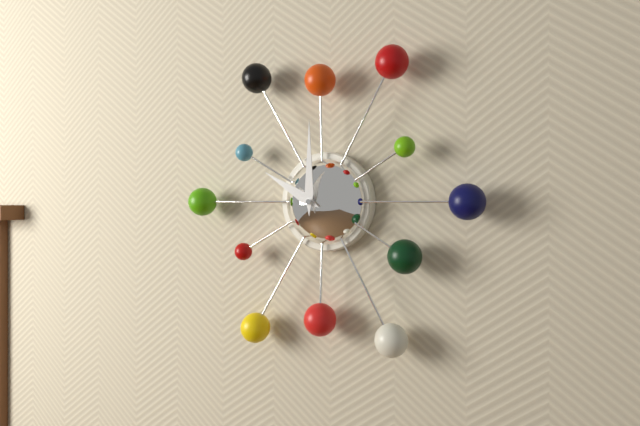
10:00
